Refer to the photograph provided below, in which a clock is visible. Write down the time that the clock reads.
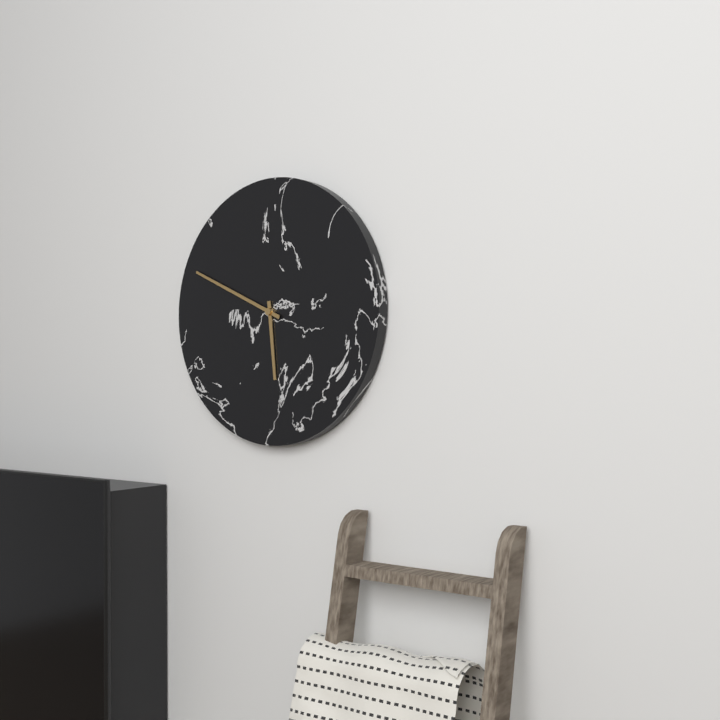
5:49
